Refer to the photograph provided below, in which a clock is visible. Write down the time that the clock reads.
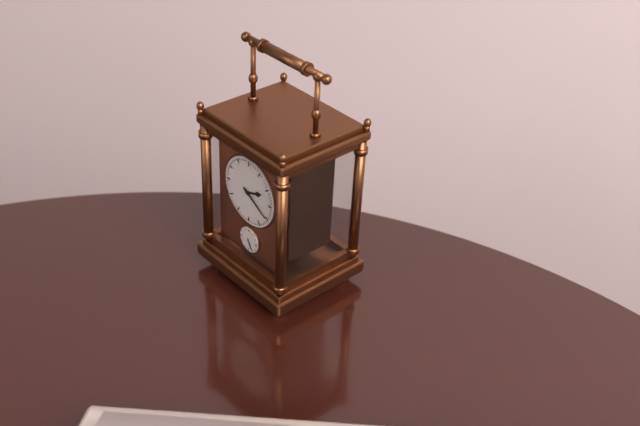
2:20
